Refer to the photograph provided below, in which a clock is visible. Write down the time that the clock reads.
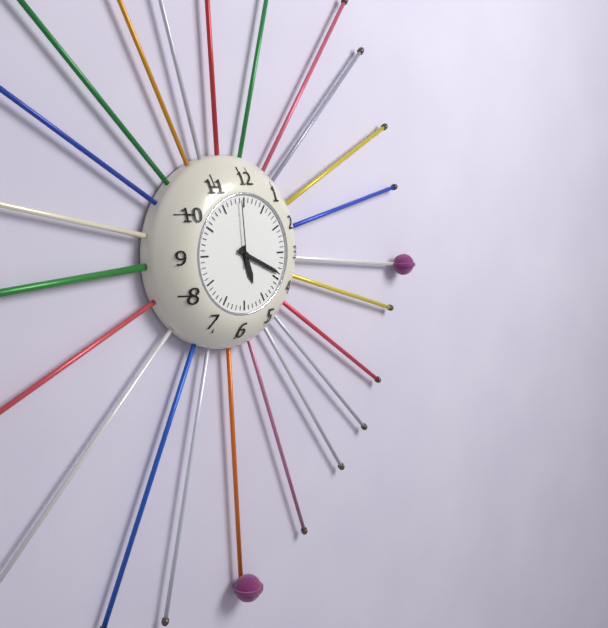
5:19:59
